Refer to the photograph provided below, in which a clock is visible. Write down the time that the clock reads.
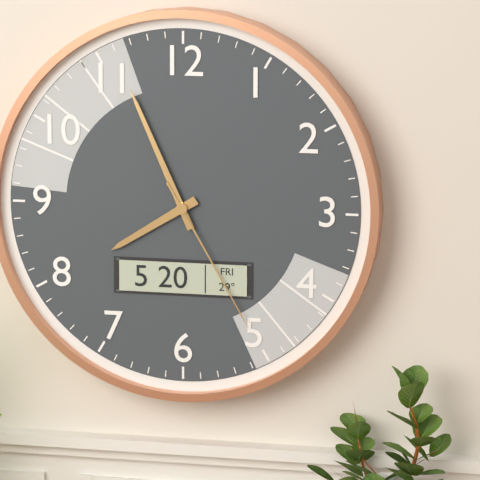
7:56:25
